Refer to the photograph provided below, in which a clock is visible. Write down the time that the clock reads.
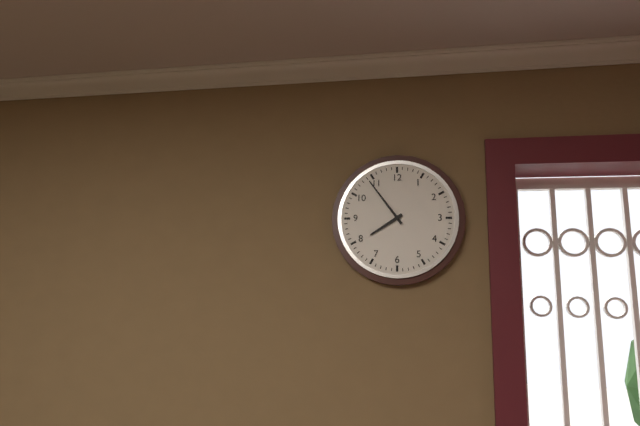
7:54
